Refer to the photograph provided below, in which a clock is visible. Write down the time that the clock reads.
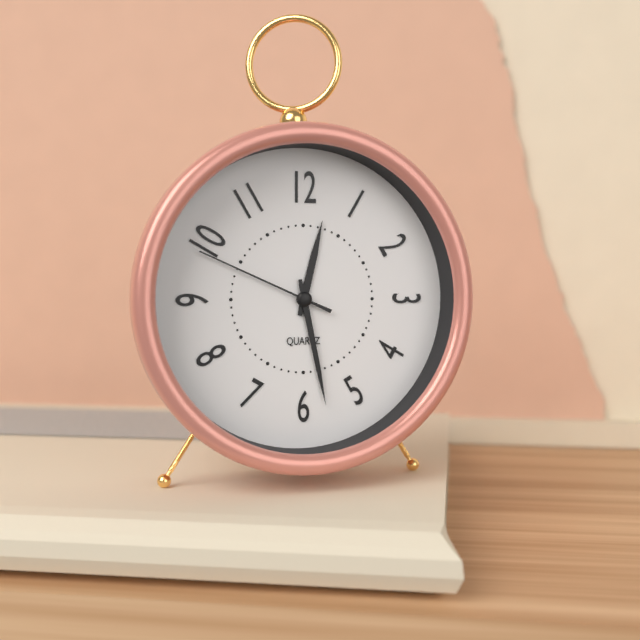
12:28:49
